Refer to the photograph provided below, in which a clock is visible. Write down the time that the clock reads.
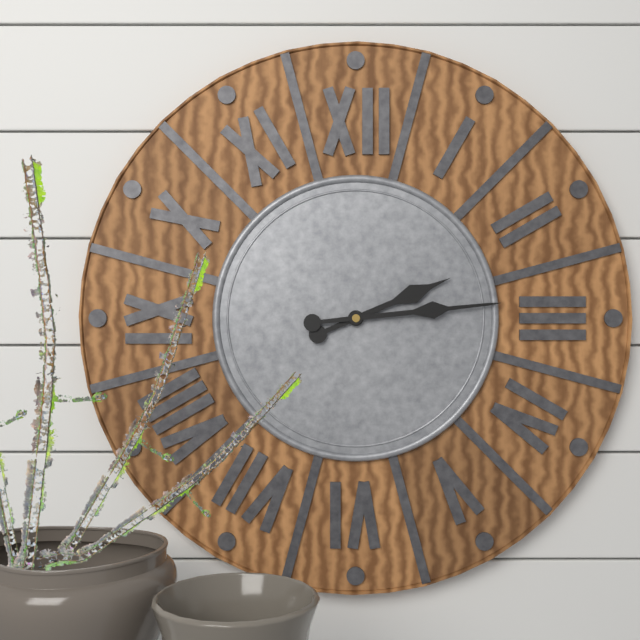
2:14
